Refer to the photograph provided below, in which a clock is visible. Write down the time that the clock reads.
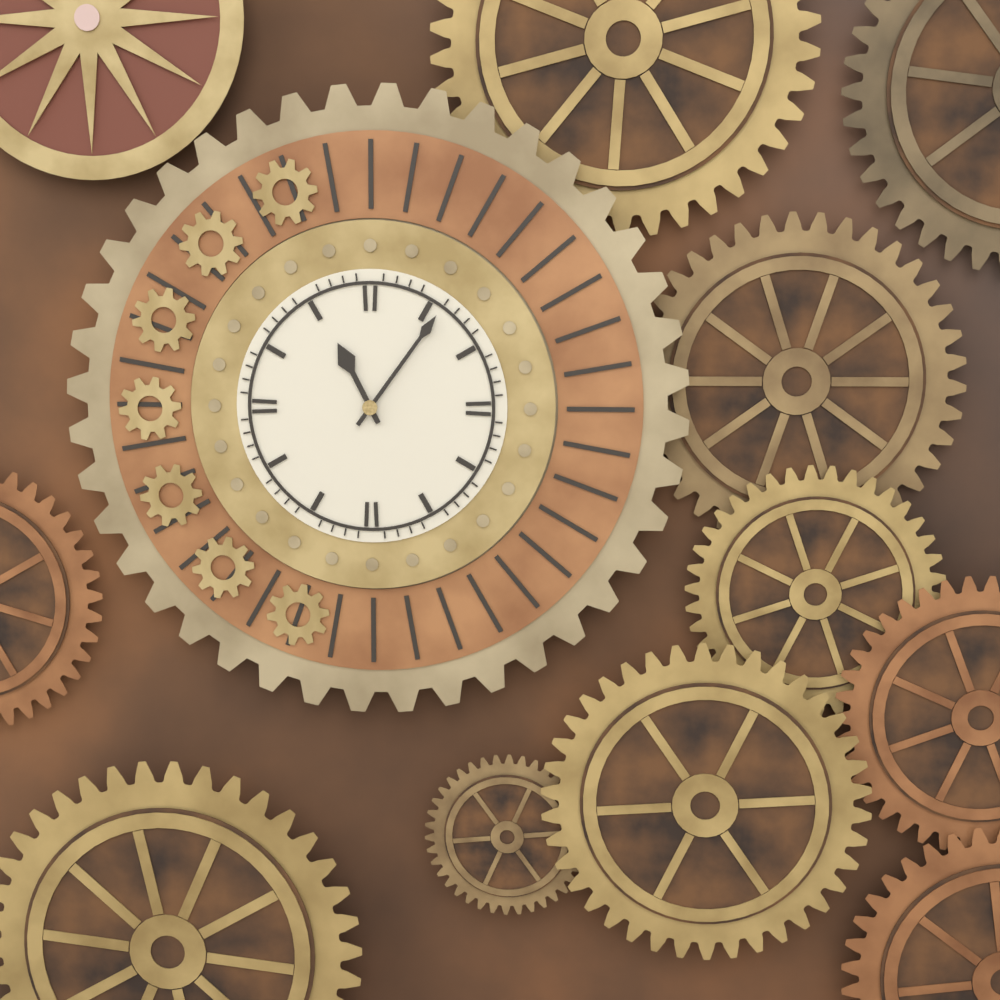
11:06
